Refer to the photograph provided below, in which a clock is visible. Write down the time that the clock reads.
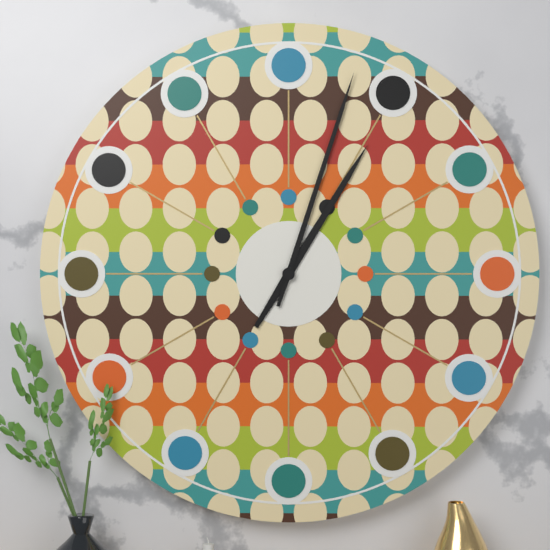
1:03
